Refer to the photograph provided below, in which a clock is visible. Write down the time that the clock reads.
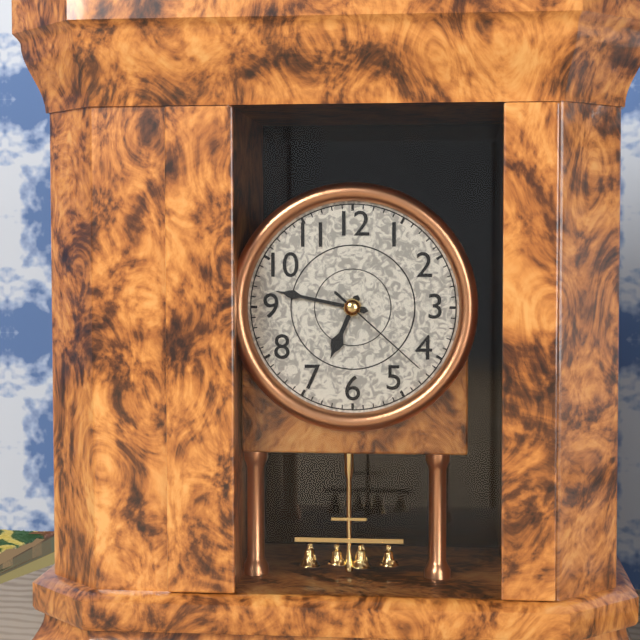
6:47:22
